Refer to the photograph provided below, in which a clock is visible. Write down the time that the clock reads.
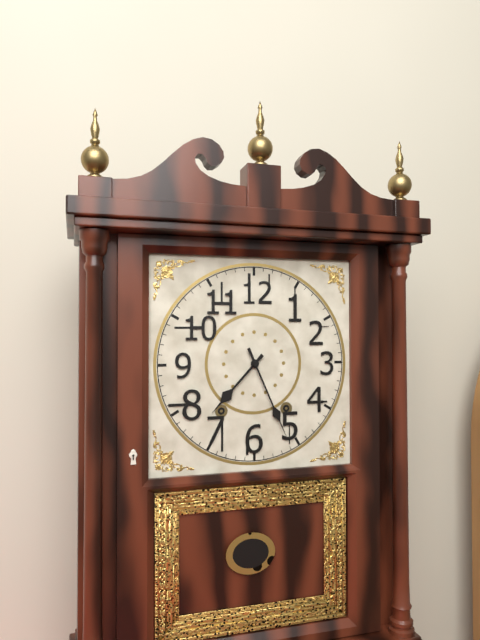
7:26
